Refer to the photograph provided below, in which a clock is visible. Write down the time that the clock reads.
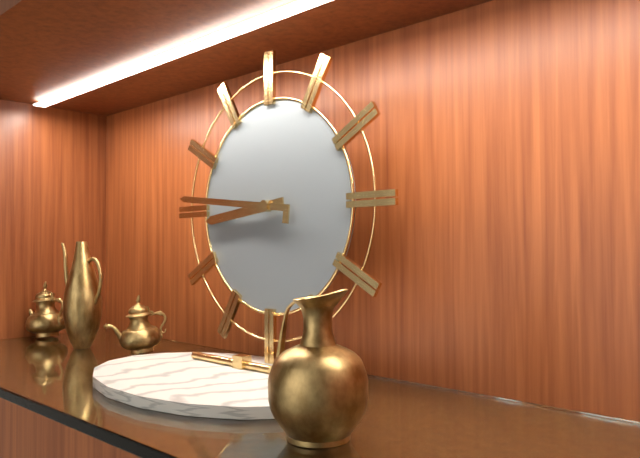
8:46
